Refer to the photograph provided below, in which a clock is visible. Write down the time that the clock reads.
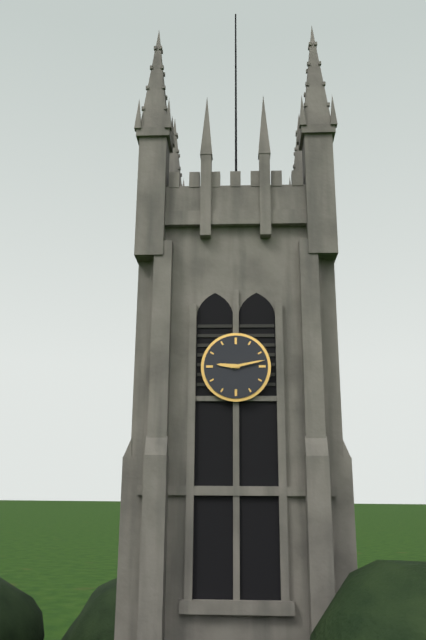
9:13
